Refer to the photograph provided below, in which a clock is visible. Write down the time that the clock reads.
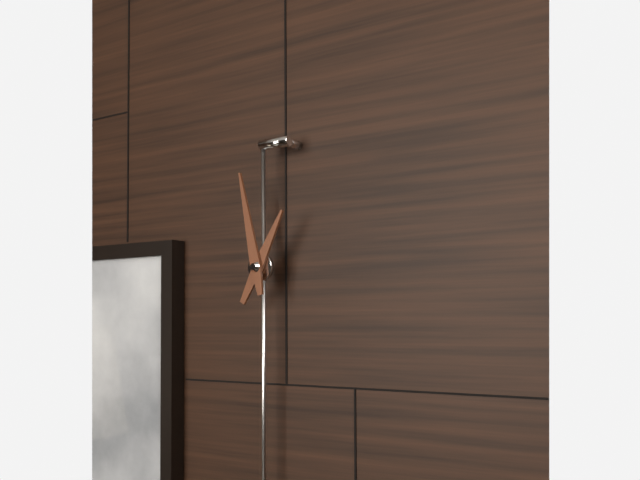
12:58
